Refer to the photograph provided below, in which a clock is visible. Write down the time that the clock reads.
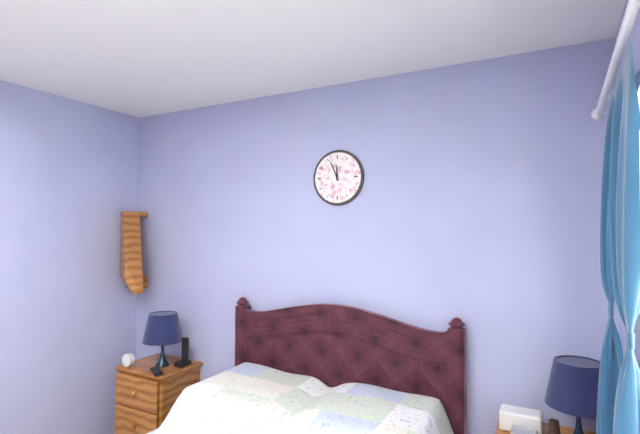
11:56
